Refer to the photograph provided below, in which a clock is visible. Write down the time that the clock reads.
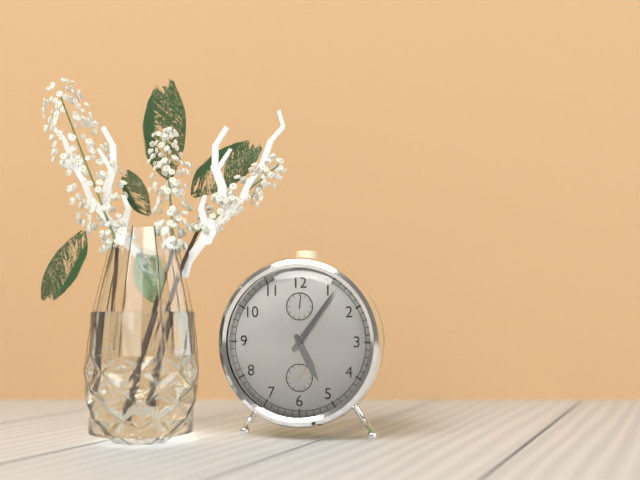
5:06
